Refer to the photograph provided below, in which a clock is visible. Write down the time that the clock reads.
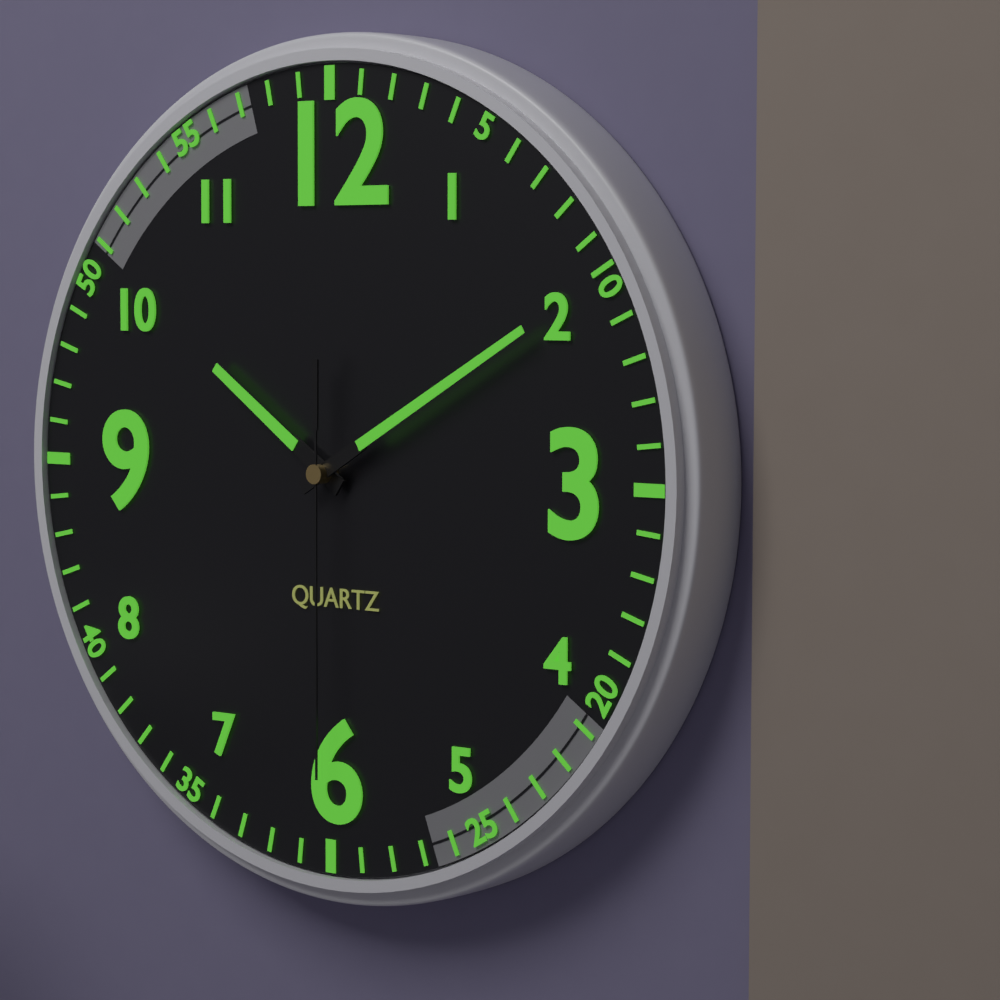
10:10:30
